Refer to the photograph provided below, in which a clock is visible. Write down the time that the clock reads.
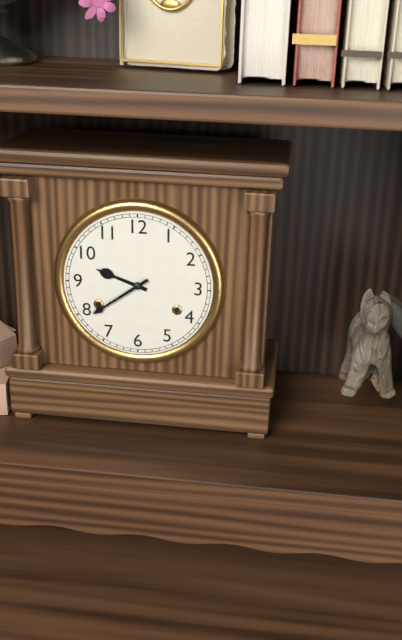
9:39
